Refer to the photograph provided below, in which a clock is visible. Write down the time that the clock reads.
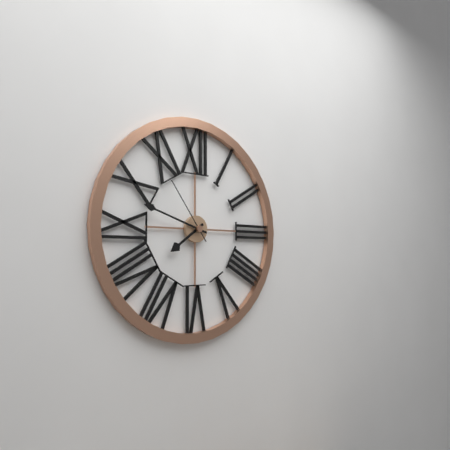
7:48:54
